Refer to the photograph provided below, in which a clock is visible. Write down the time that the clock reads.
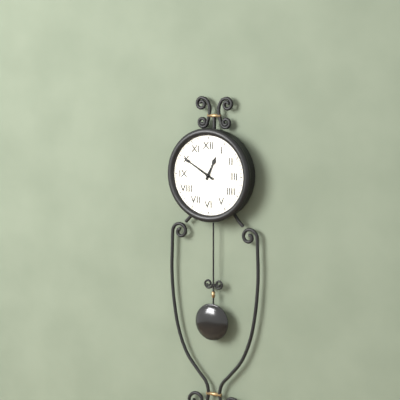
12:50
